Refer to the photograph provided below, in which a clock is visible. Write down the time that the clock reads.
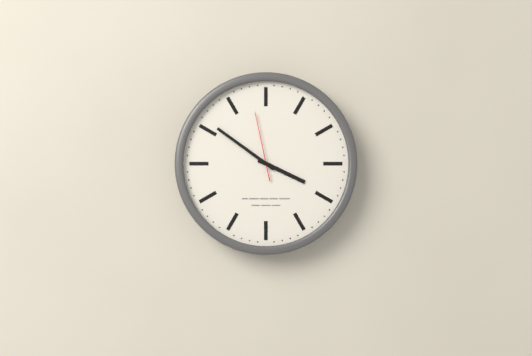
3:51:58
